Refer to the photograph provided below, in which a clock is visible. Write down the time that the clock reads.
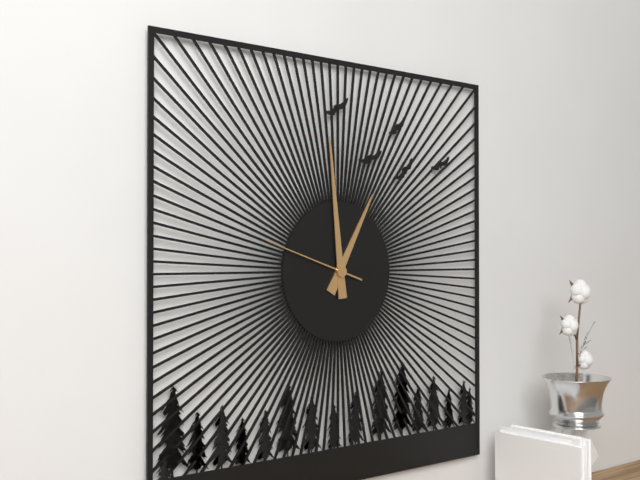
12:59:48
